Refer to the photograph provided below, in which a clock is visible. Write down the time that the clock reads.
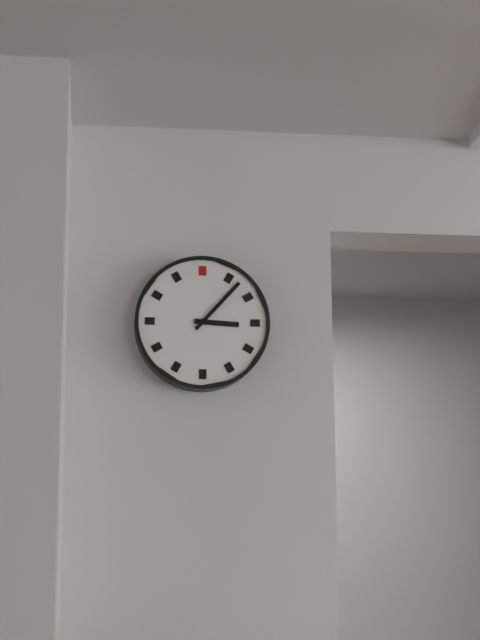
3:07
